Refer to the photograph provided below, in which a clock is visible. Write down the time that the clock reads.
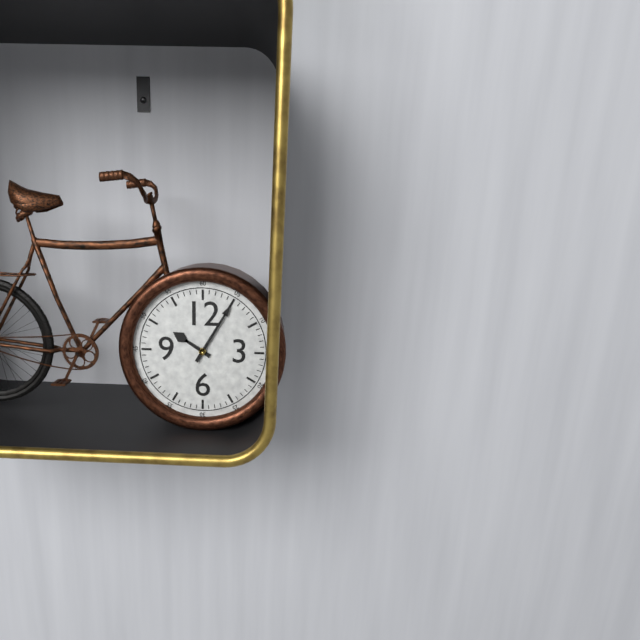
10:05
